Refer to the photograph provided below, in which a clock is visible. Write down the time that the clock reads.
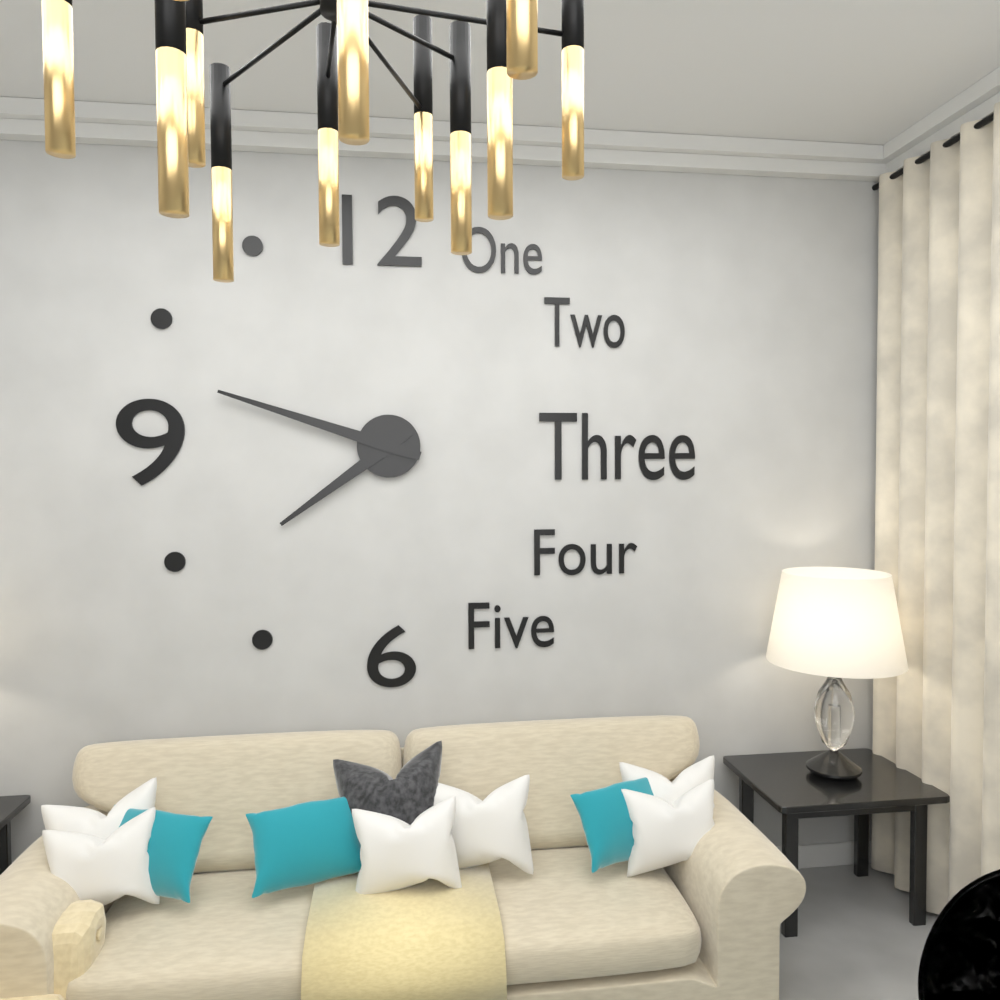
7:48
